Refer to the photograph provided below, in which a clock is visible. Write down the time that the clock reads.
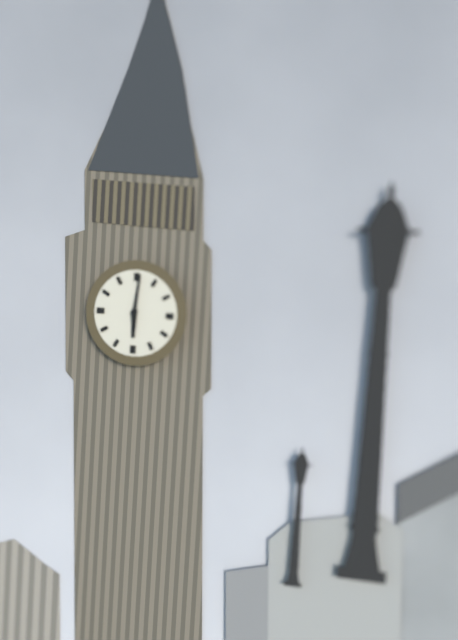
6:01
